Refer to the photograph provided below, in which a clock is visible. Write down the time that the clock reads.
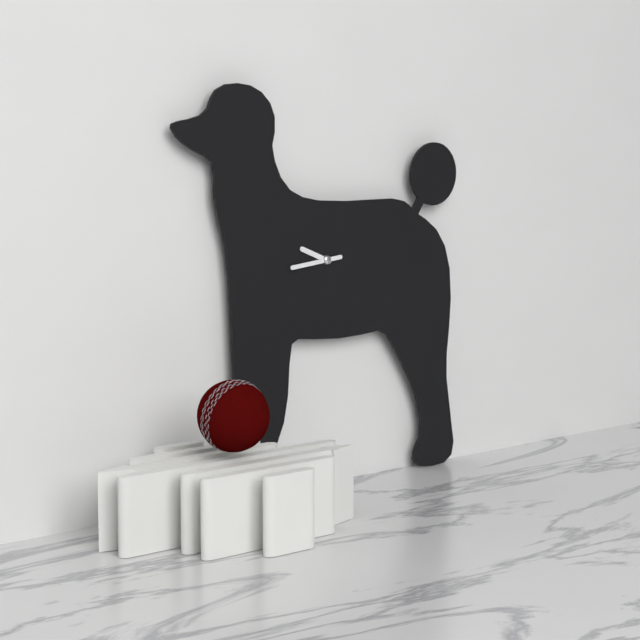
9:44
